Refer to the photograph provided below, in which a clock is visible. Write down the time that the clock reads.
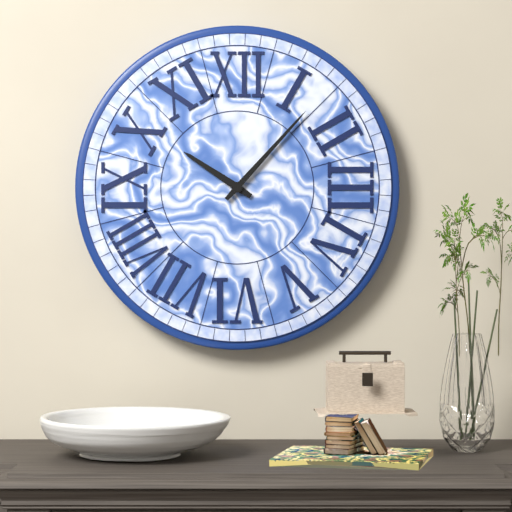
10:07
